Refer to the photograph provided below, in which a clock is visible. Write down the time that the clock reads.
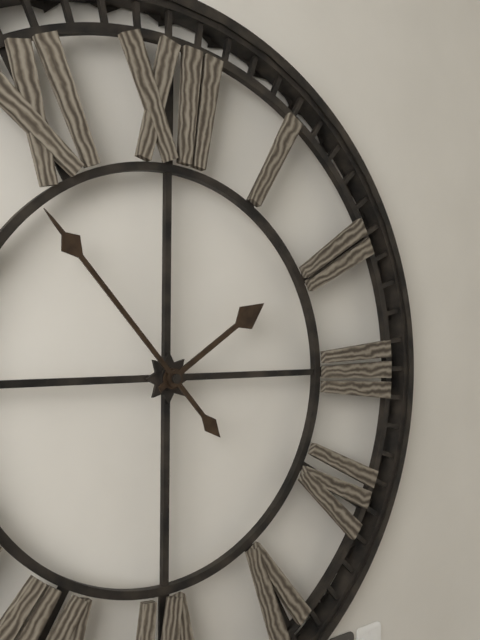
1:53
